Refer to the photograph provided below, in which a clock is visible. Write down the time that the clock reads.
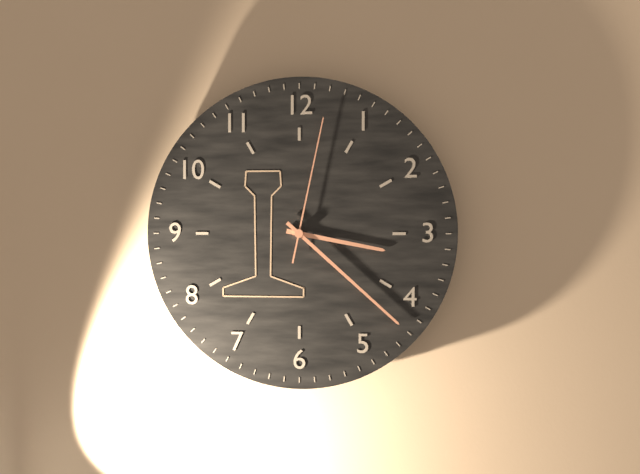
3:22:02
